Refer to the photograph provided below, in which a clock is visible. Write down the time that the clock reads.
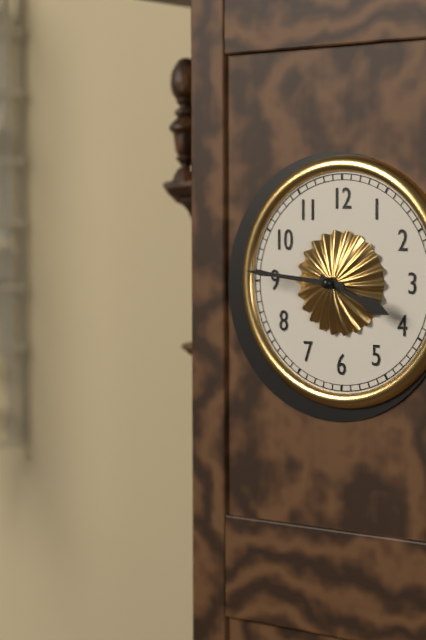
3:46
